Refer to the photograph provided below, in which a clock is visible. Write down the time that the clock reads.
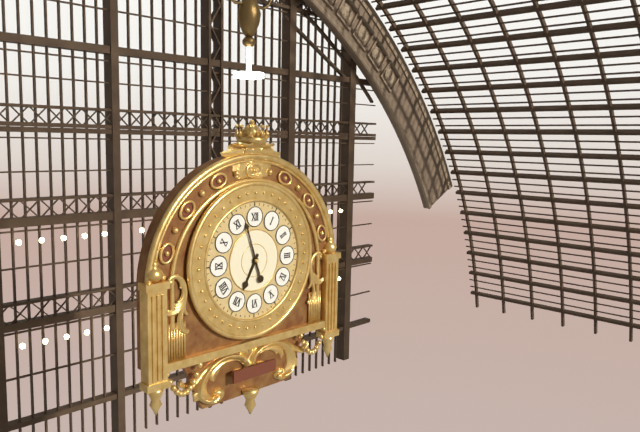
6:57
